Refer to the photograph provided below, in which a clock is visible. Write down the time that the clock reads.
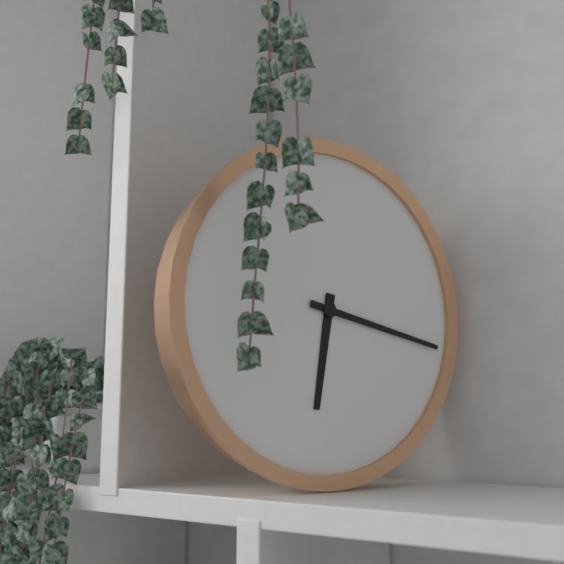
6:17
